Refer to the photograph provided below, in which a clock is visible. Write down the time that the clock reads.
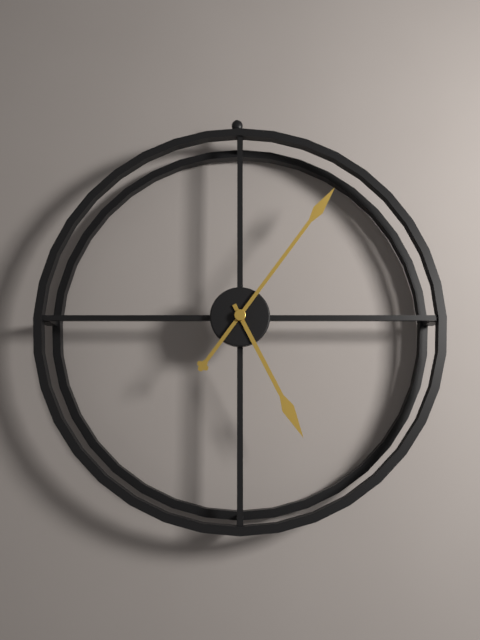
5:06
